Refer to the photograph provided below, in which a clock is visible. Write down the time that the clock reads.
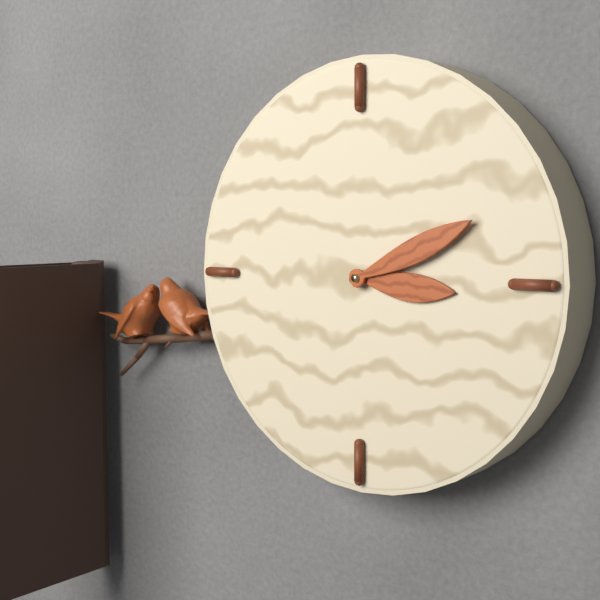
3:11
